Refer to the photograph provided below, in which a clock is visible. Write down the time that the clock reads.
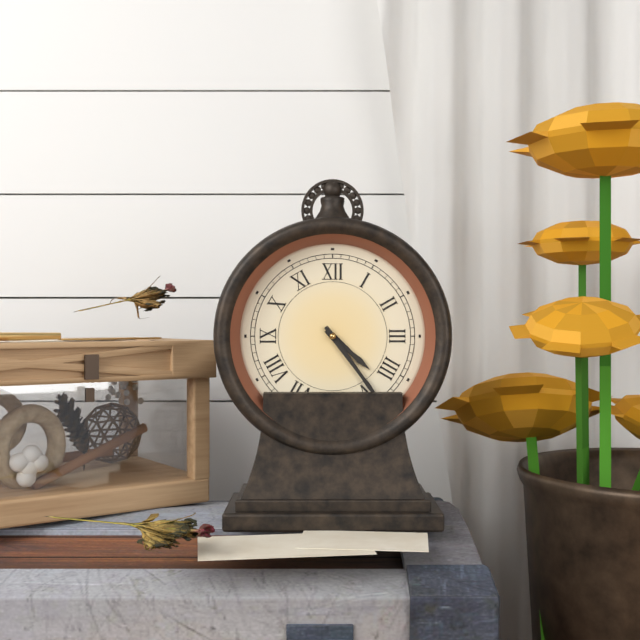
4:24
